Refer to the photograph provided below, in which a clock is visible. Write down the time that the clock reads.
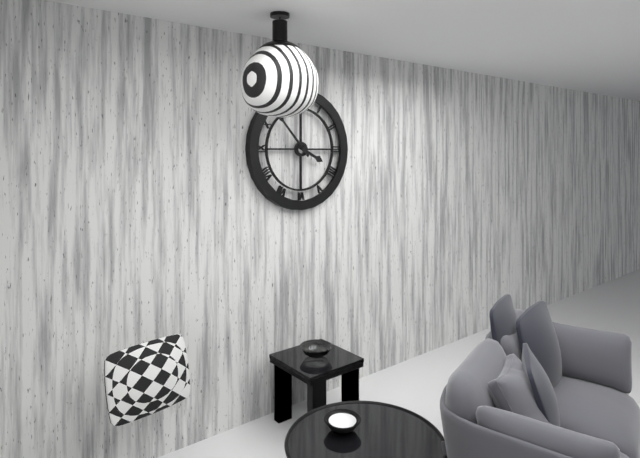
3:53
